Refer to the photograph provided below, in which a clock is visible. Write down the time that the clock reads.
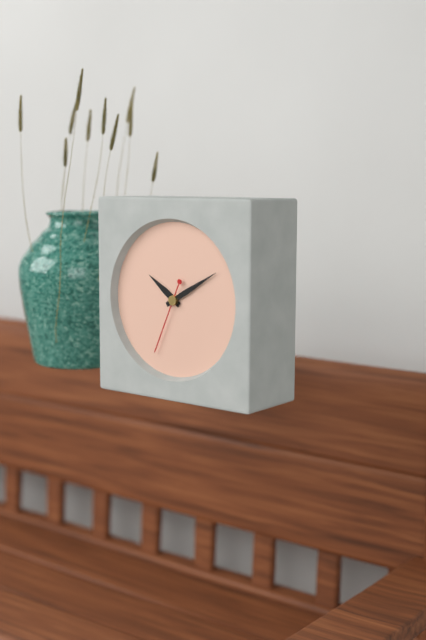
10:10:34
